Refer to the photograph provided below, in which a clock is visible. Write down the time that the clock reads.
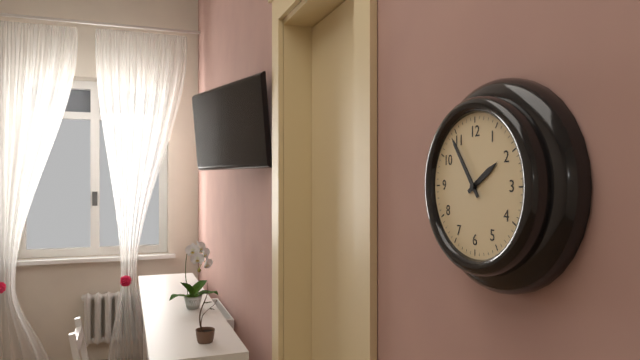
1:54
